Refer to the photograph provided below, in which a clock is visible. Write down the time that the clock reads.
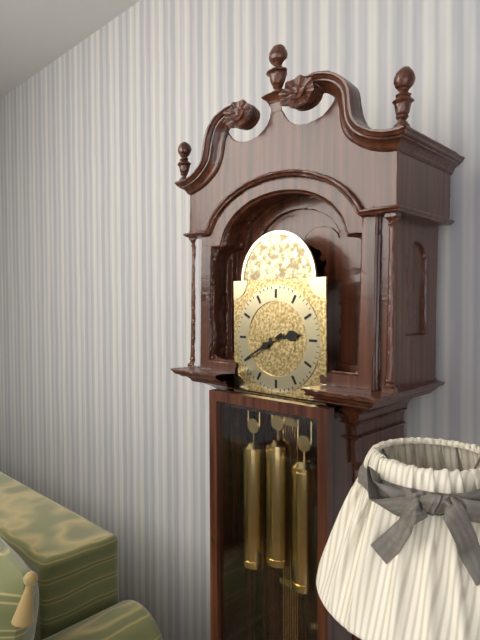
2:40
